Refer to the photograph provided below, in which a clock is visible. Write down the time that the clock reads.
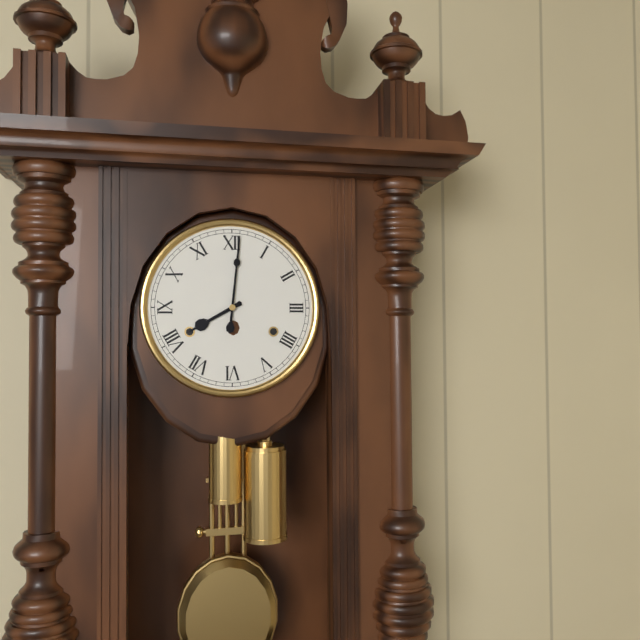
8:01
